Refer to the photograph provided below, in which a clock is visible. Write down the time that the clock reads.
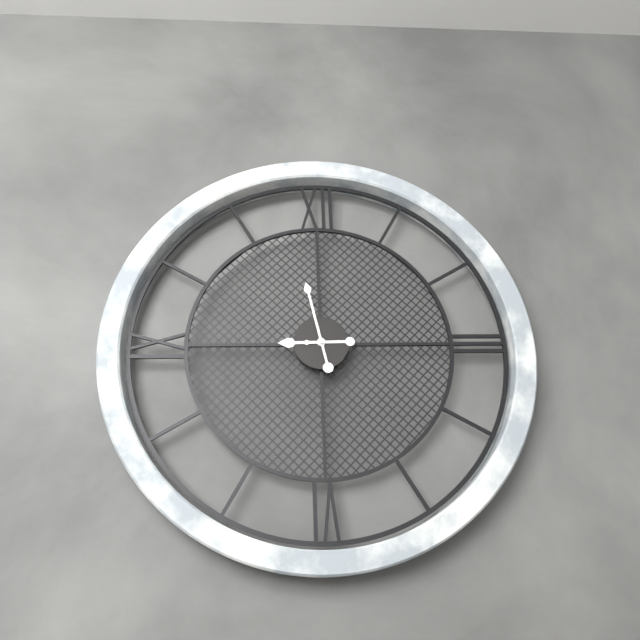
8:58
